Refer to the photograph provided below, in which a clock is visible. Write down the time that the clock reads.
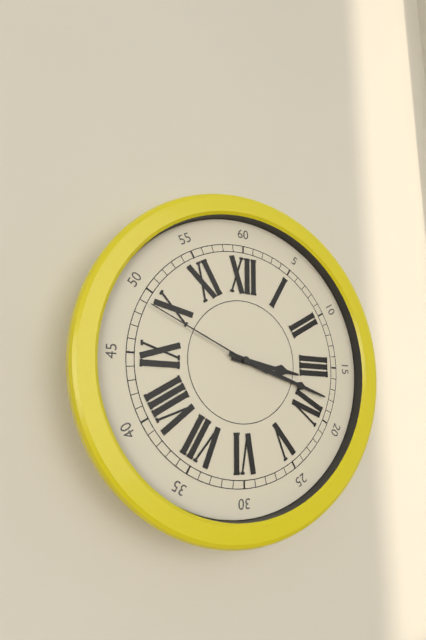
3:18:49
